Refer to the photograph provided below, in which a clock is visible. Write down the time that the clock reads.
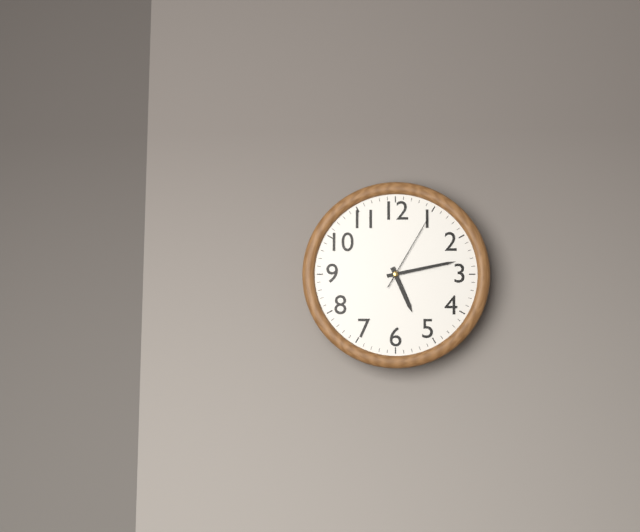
5:13:05
